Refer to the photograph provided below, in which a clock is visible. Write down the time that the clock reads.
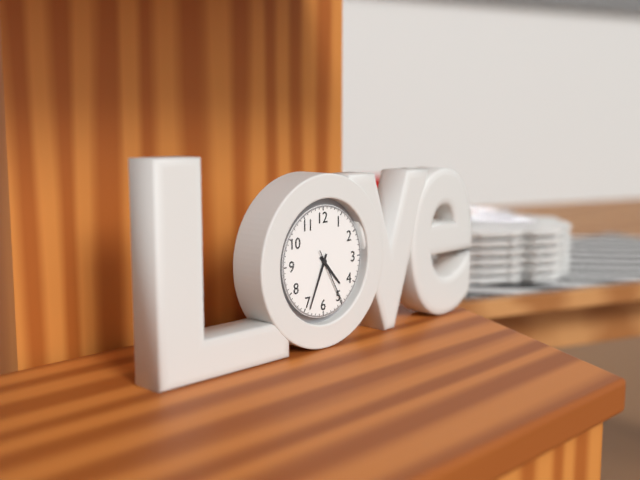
4:34:25
